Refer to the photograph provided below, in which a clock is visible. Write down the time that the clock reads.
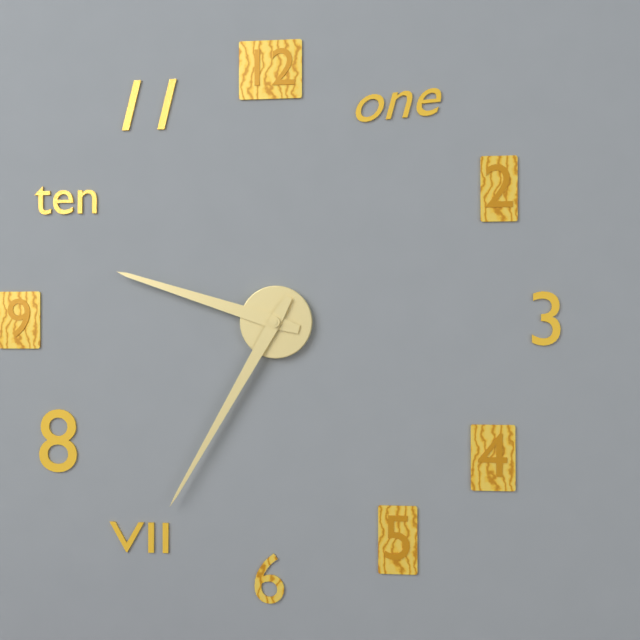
9:35
